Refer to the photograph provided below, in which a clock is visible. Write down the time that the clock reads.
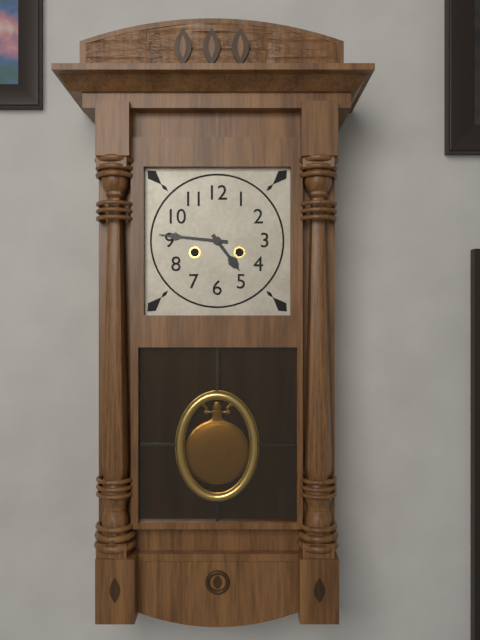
4:46
